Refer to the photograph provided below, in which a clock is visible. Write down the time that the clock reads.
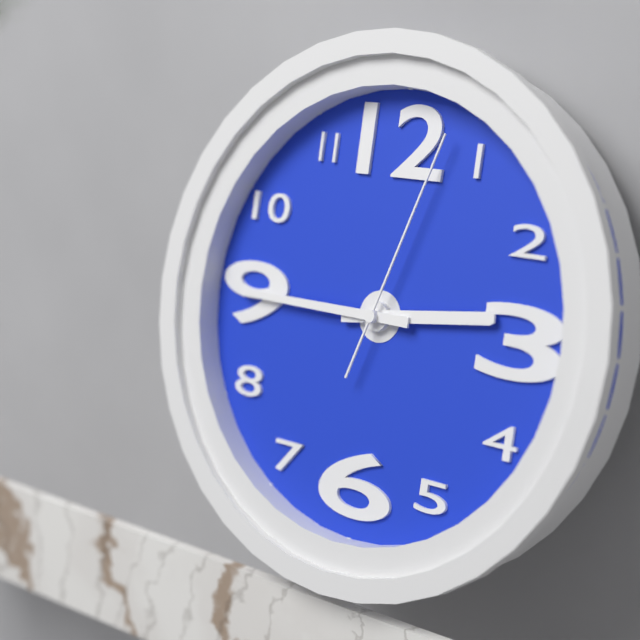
2:45:03
